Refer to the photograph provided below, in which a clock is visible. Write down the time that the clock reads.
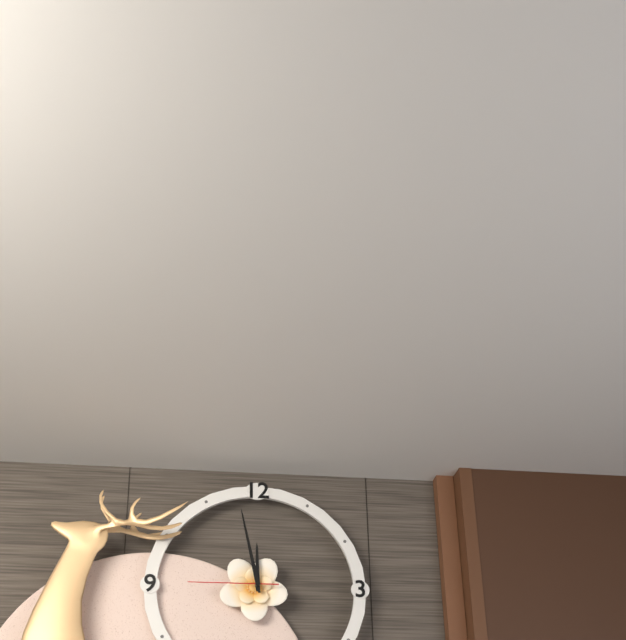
11:58:45
